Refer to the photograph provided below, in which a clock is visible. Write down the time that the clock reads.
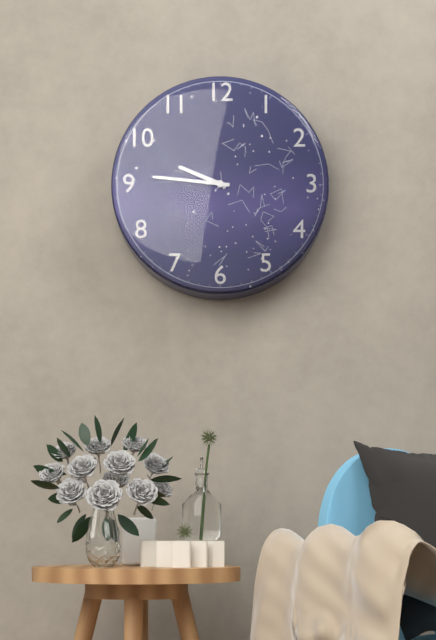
9:46
